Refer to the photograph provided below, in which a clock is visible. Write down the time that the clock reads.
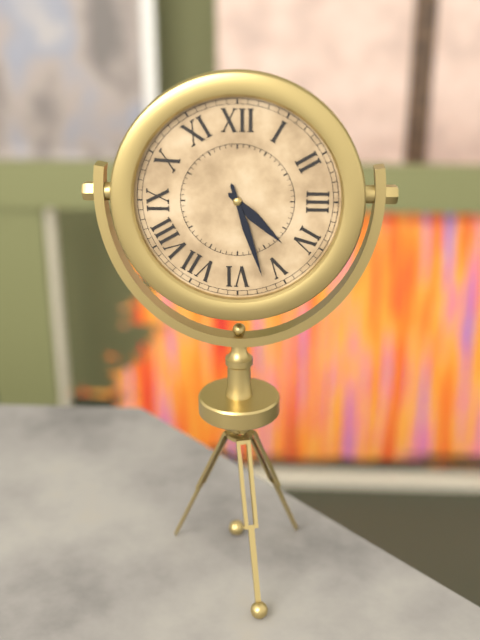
4:27
